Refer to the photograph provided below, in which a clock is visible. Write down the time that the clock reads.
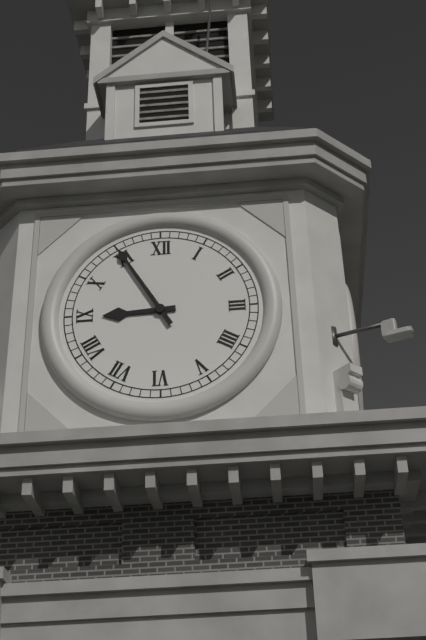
8:55
